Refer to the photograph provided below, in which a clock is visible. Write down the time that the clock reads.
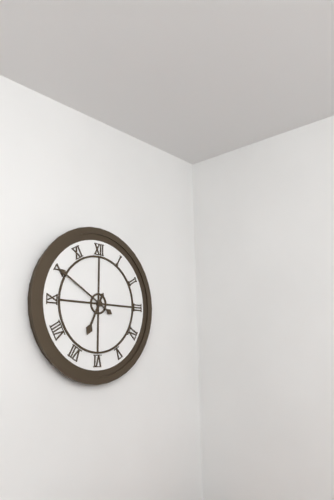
6:50
